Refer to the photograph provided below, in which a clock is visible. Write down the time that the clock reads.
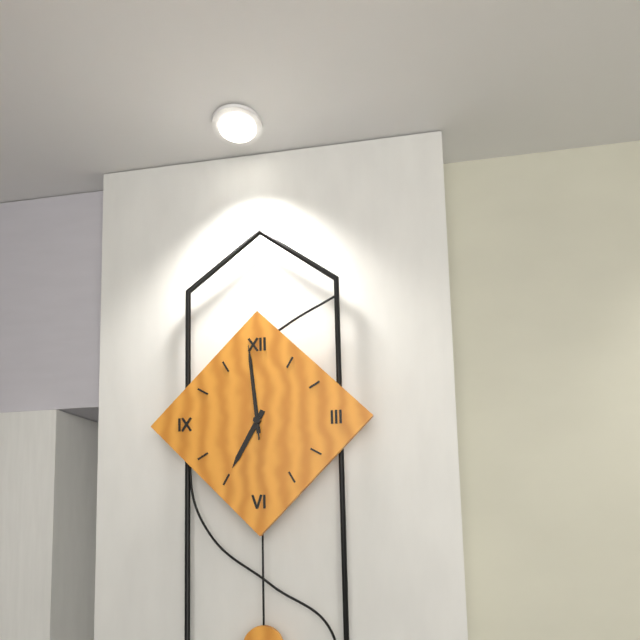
6:59:59
